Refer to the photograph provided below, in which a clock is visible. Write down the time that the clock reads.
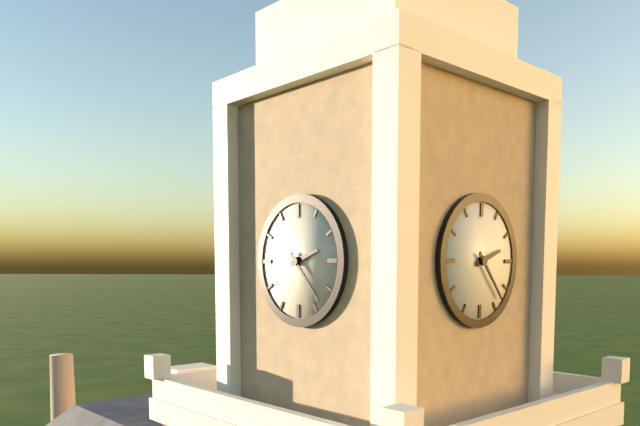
2:23
